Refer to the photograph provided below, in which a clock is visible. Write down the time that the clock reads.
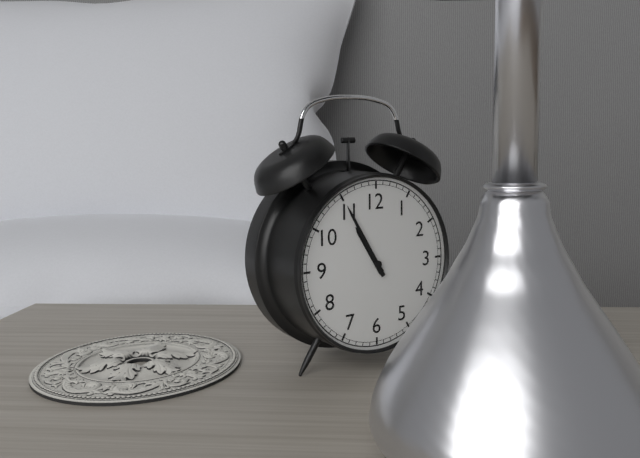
10:55
